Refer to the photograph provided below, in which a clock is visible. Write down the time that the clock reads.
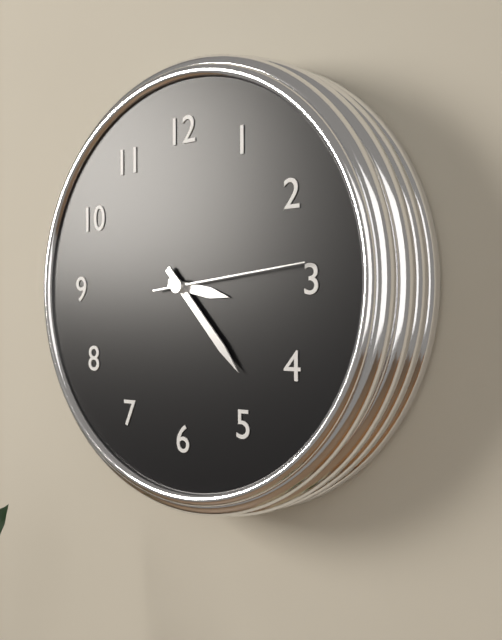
3:23:14
